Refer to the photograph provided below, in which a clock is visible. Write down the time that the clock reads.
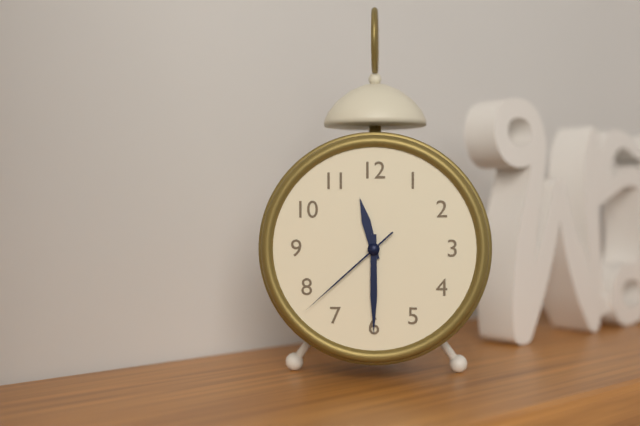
11:30:38
